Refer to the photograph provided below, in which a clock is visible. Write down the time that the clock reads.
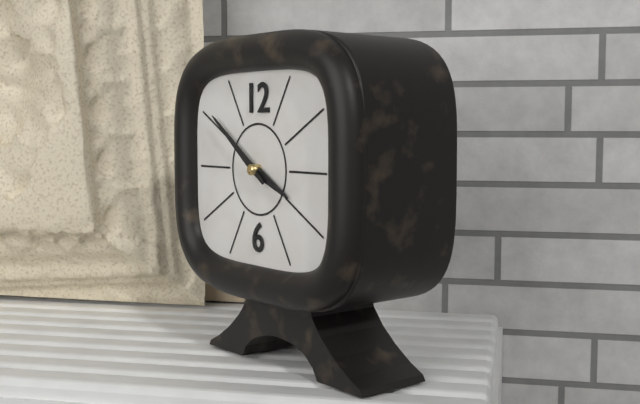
3:51
